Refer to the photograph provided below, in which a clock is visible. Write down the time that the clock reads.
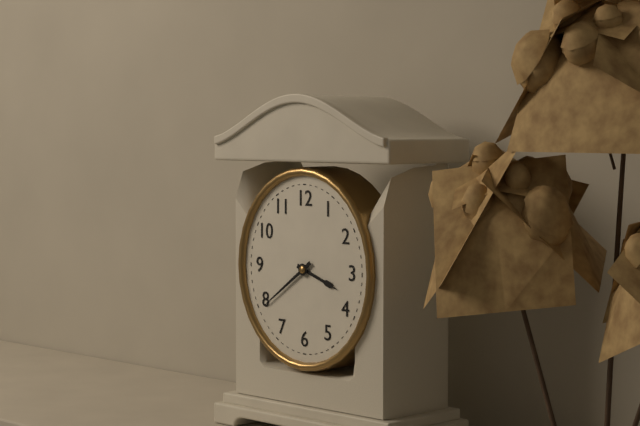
3:39
